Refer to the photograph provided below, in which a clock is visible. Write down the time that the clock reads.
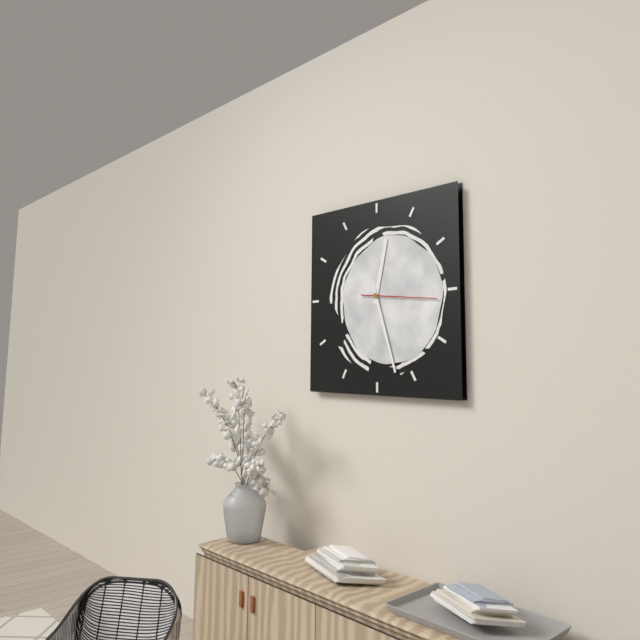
12:27:16
